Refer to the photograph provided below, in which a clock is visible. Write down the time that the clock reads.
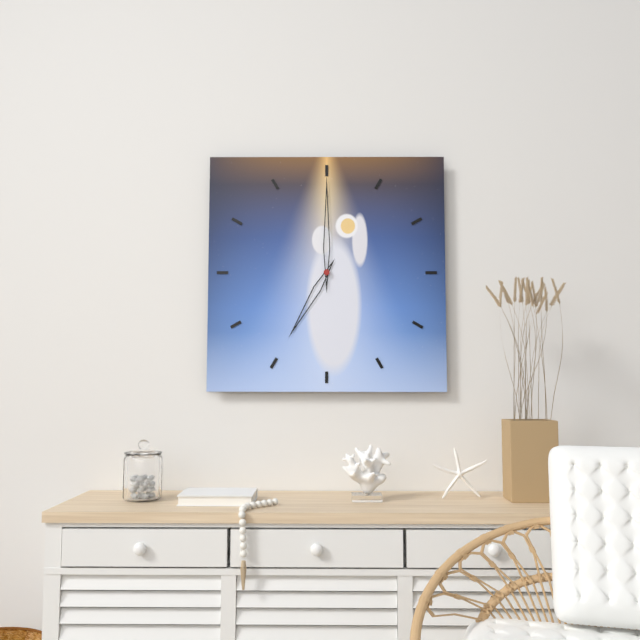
7:00
